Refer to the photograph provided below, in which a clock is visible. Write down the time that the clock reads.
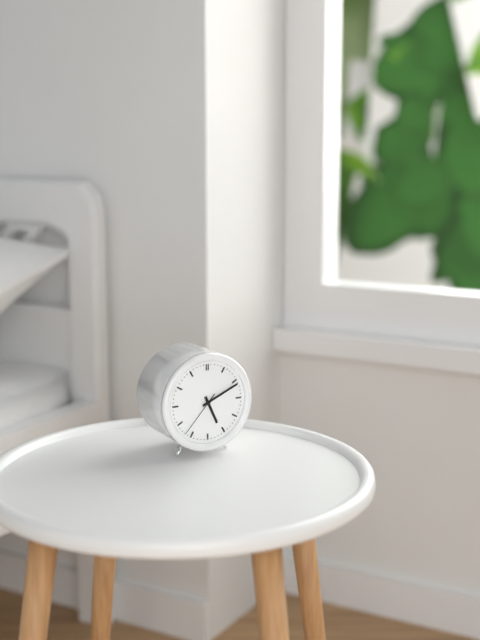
5:11
